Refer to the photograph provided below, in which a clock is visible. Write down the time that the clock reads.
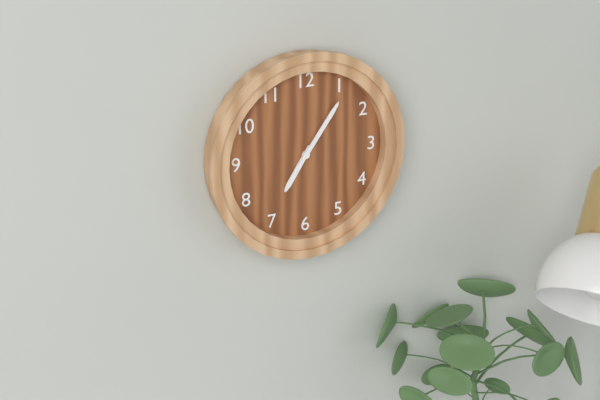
7:06
